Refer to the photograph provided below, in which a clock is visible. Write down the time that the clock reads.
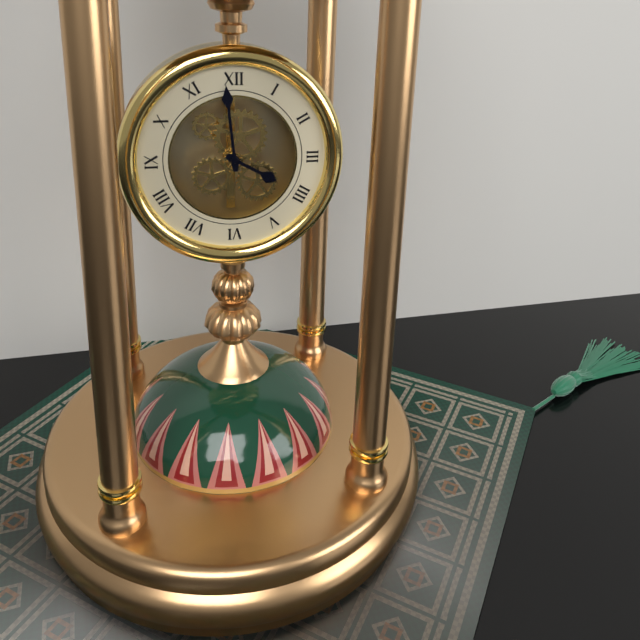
3:59
